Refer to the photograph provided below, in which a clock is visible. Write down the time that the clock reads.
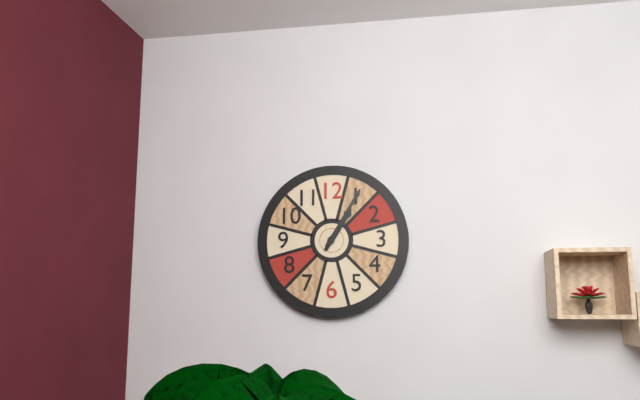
1:05
